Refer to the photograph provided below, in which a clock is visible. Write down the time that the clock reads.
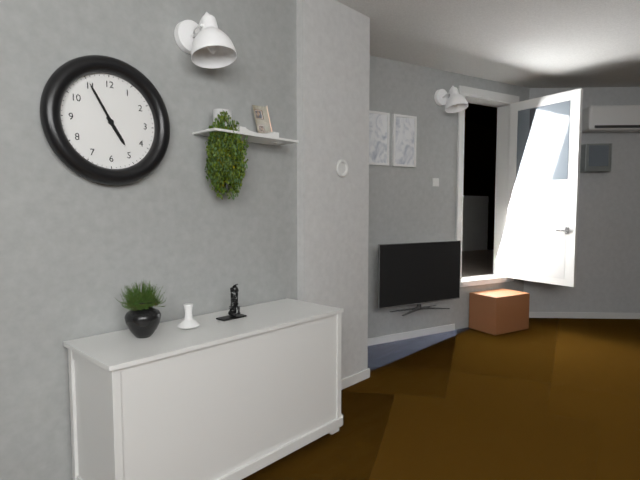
4:55
